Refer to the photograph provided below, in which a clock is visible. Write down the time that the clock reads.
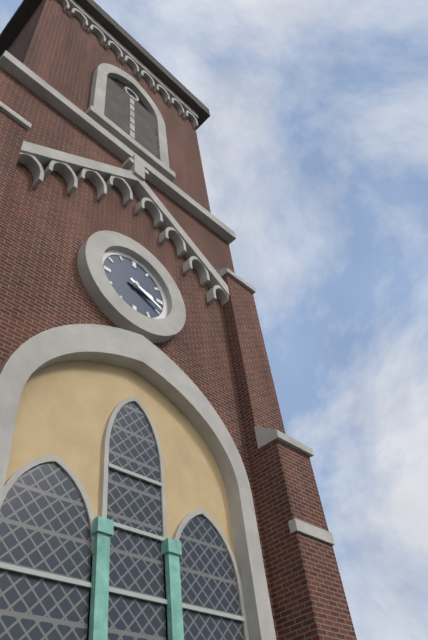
3:19
